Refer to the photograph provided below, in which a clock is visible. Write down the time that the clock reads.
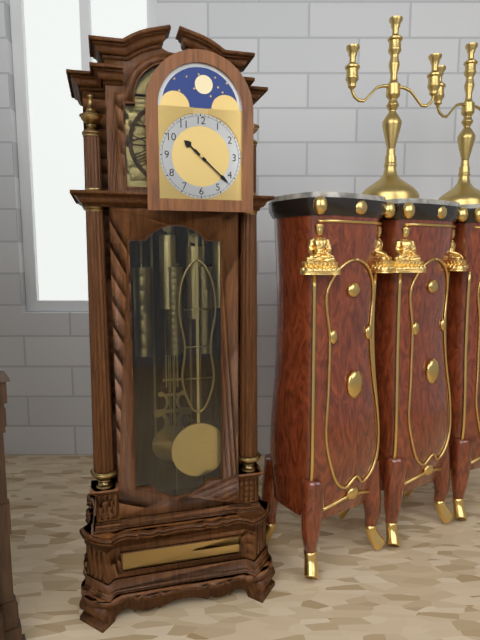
10:22
